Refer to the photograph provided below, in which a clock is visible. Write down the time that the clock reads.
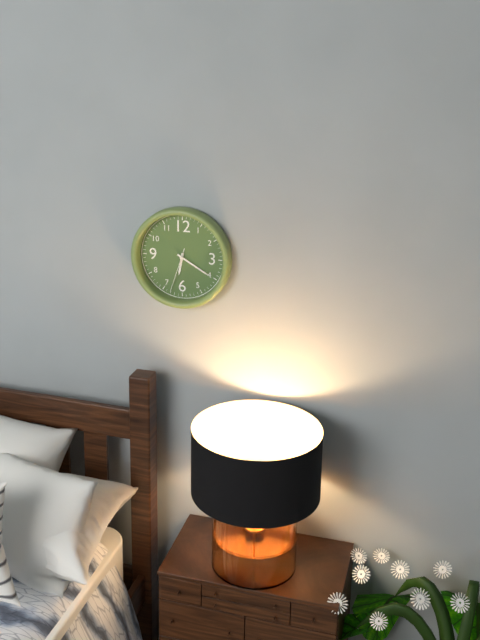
6:20
